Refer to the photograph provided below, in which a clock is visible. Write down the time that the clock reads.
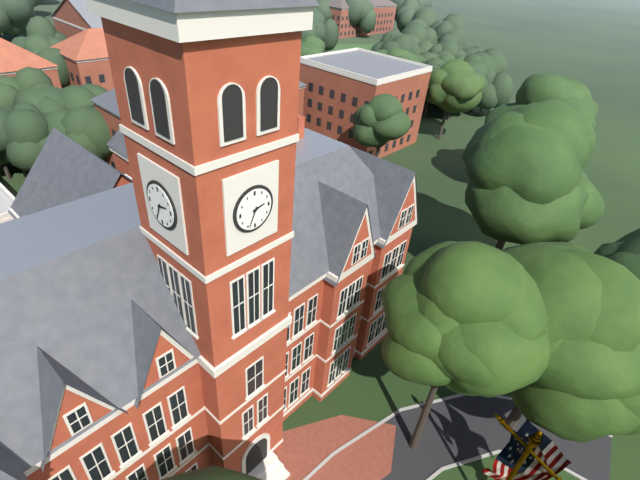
2:34
